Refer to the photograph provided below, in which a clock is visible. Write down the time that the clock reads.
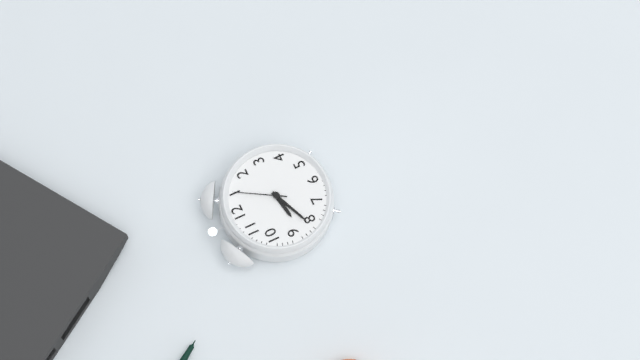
8:41:05
